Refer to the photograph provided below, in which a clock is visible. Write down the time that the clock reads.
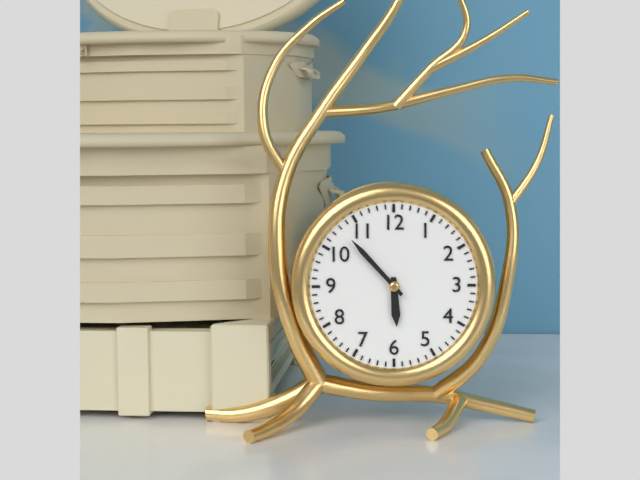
5:53
